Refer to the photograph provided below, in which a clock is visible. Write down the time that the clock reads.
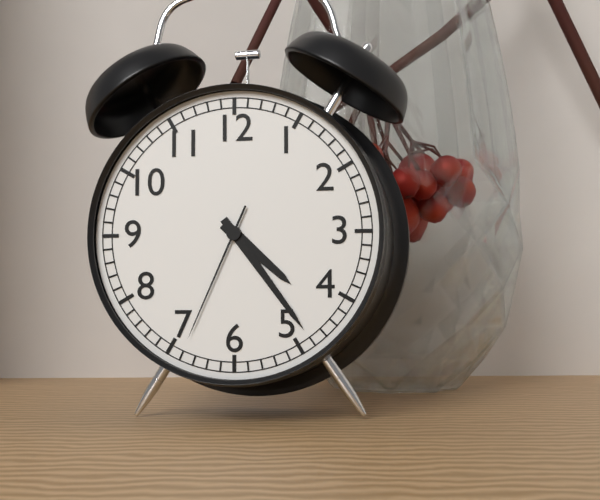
4:24:34
